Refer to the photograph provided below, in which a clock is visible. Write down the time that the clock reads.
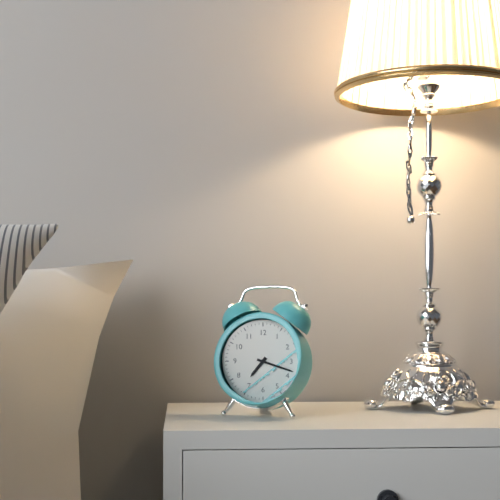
7:18
